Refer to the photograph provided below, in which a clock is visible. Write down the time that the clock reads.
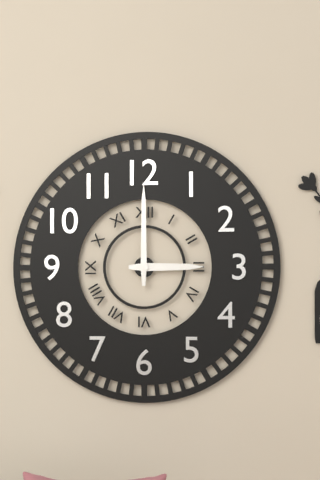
3:00
